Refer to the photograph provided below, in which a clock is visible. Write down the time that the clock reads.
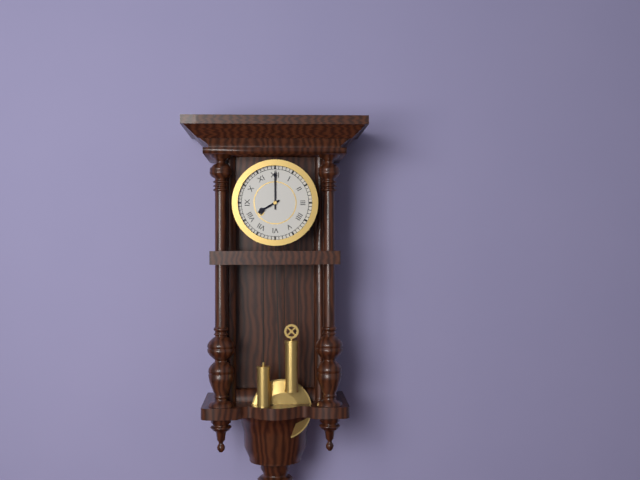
8:00
